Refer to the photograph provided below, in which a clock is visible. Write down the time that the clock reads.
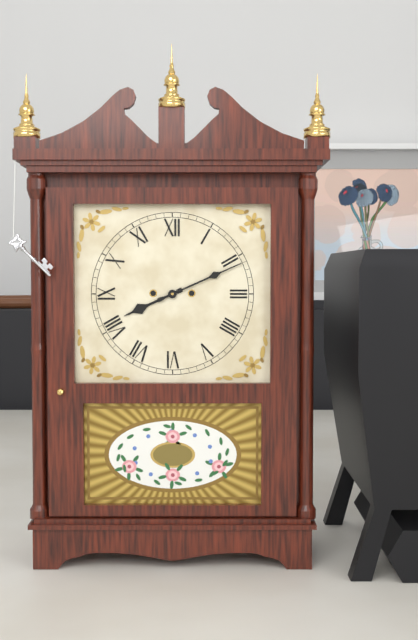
8:11
